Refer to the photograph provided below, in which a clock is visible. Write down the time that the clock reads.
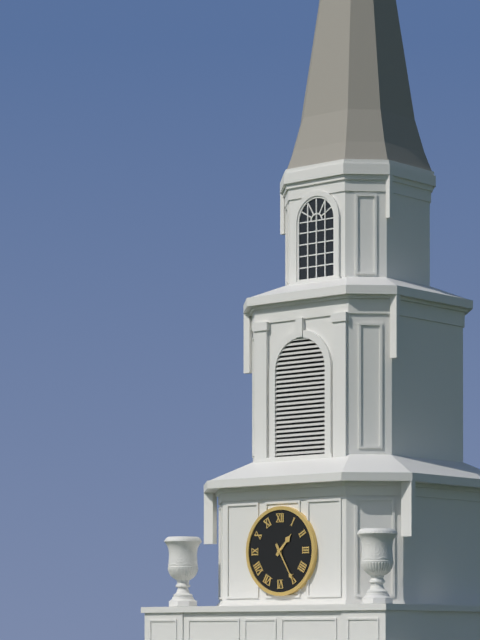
1:25
